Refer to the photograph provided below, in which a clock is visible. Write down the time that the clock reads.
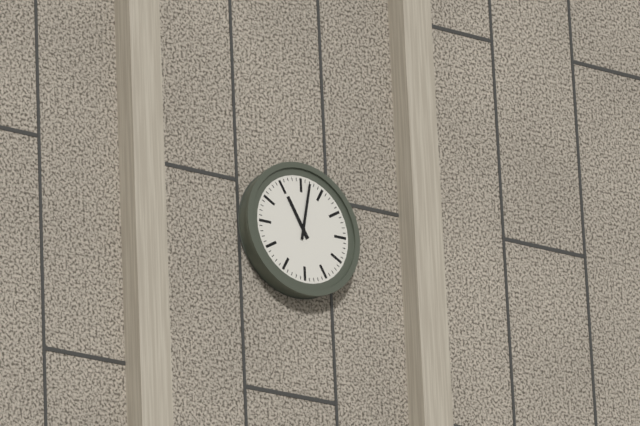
11:02
